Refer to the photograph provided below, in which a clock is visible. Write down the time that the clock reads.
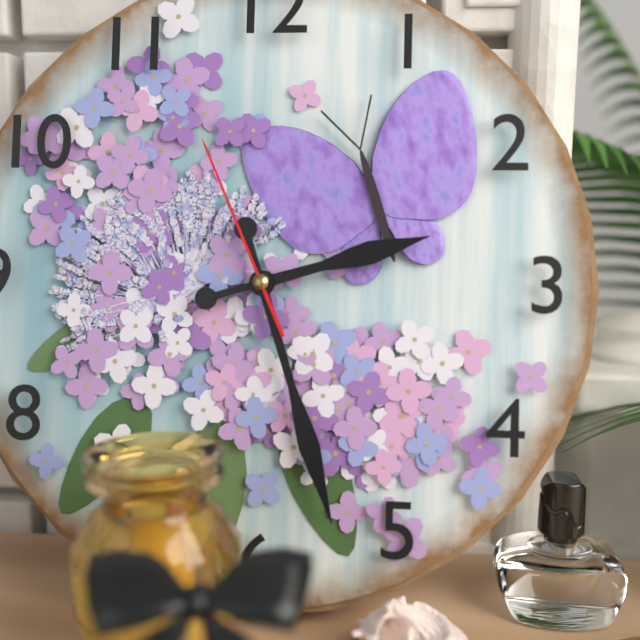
2:27:56
